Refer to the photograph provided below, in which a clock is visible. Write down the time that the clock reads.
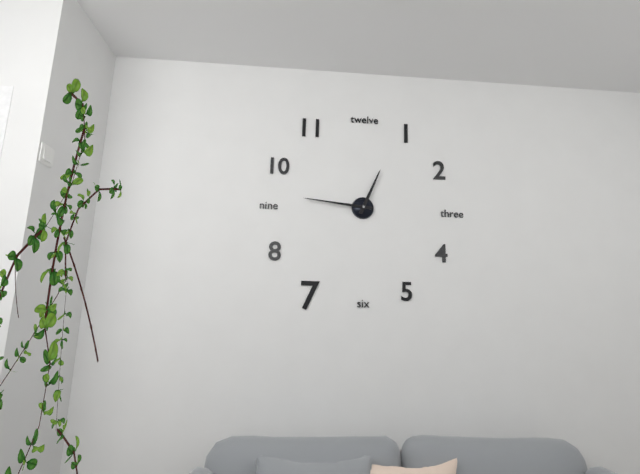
12:46
